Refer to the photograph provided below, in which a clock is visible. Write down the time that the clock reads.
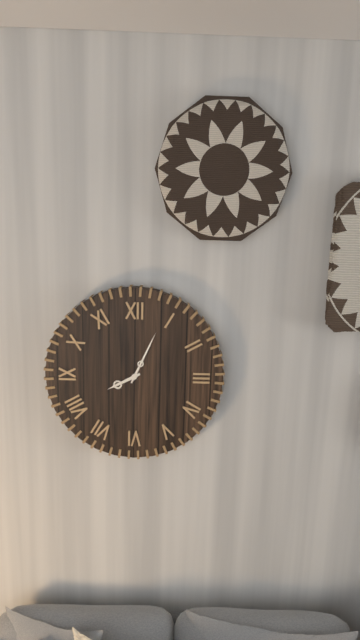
8:04
